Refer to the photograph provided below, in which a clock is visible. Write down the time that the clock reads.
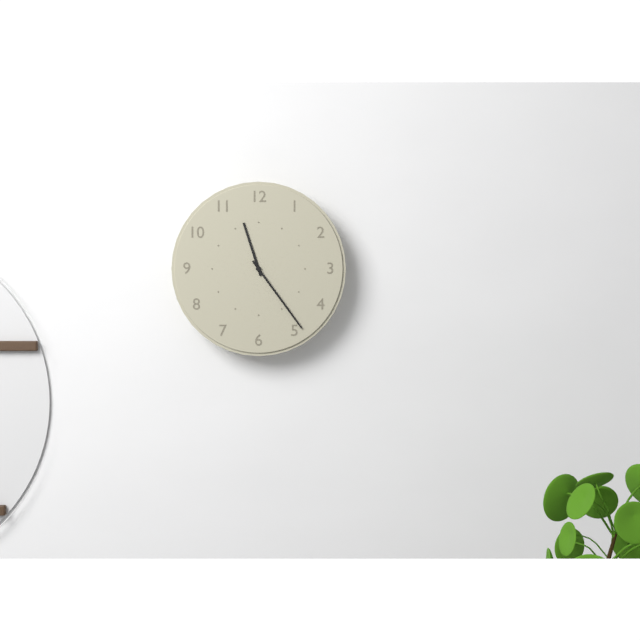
11:24
